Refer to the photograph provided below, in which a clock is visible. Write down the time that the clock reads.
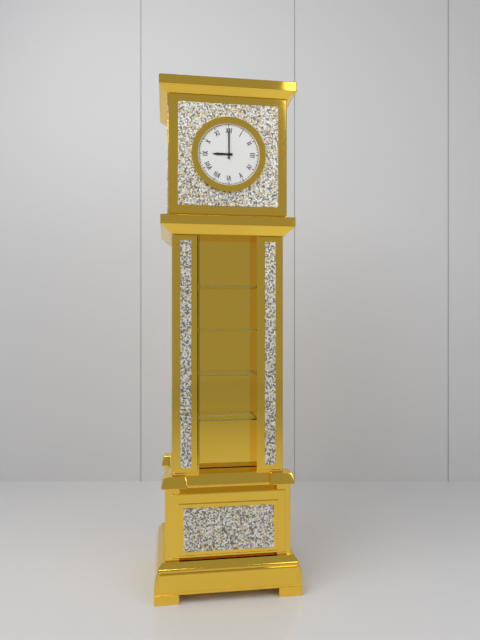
9:00
